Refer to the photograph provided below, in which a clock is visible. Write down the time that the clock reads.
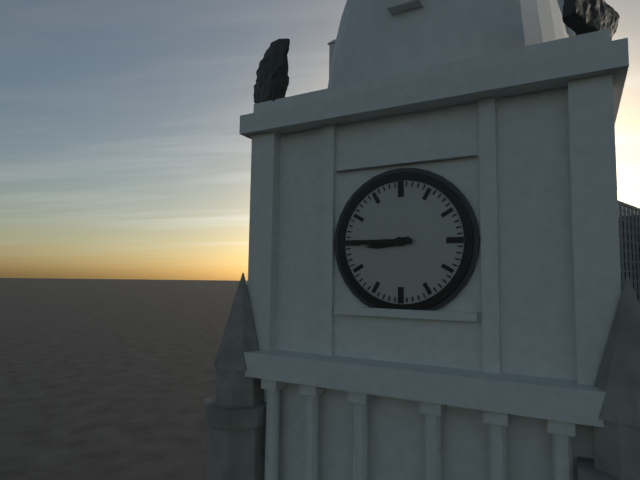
8:45
